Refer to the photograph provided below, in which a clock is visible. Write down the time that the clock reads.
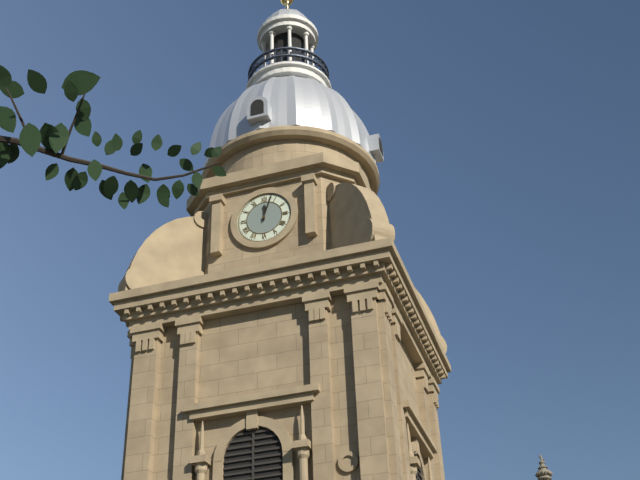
12:03
